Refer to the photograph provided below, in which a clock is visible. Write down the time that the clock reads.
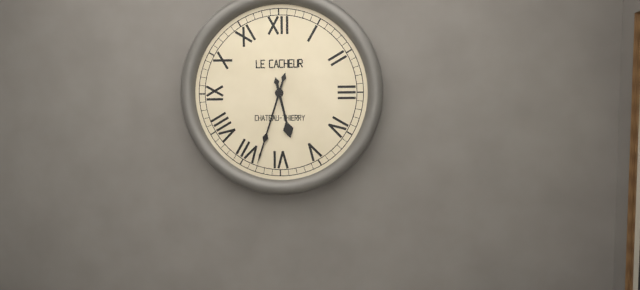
5:33
